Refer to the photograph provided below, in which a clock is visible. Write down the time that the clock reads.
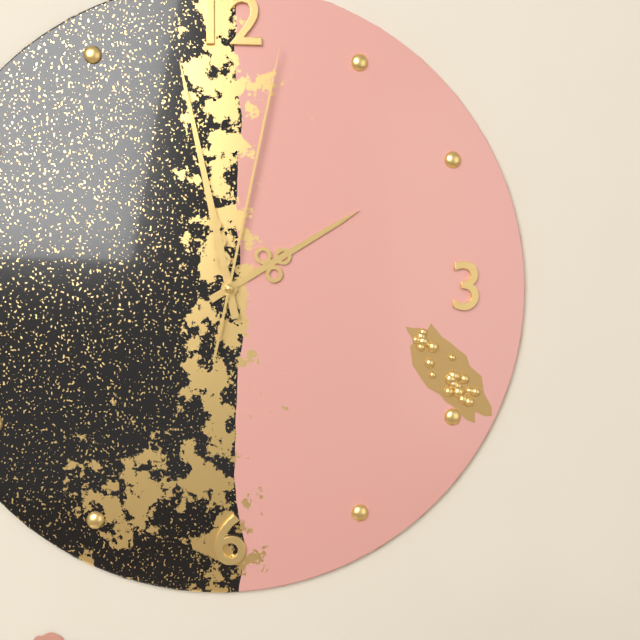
1:58:02
